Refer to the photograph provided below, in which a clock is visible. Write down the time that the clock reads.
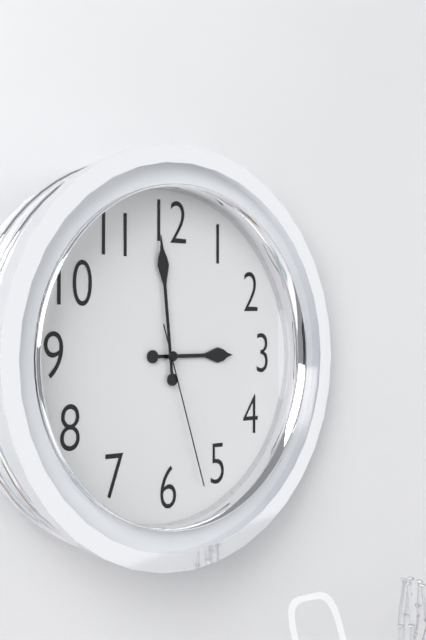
2:59:27
